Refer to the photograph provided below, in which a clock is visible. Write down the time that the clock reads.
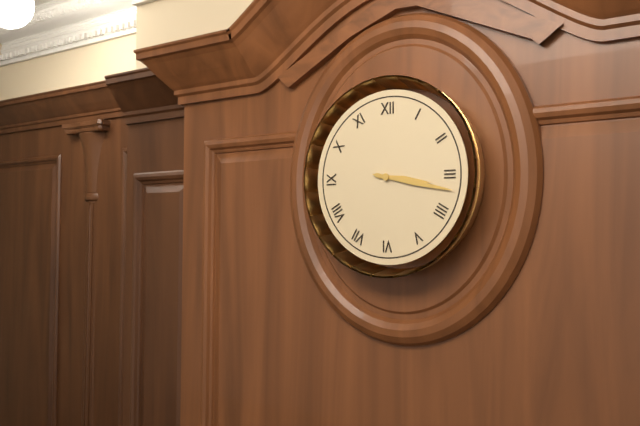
3:17
